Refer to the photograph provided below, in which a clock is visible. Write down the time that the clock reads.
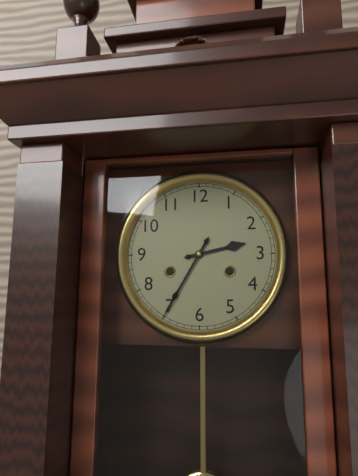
2:35
